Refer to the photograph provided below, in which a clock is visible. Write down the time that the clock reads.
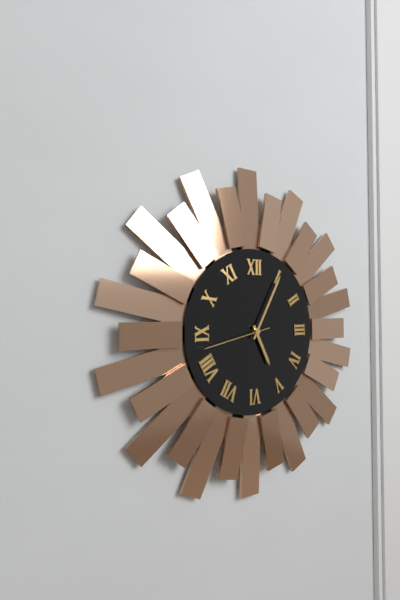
5:05:43
